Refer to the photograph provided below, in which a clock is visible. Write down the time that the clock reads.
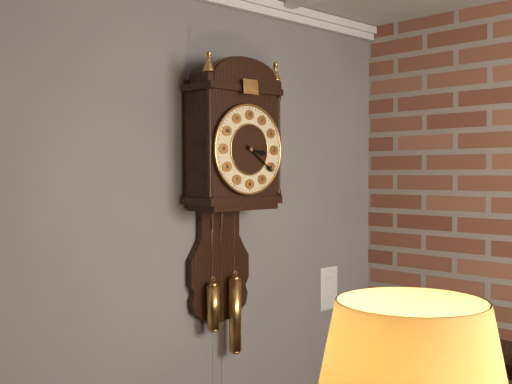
3:21
